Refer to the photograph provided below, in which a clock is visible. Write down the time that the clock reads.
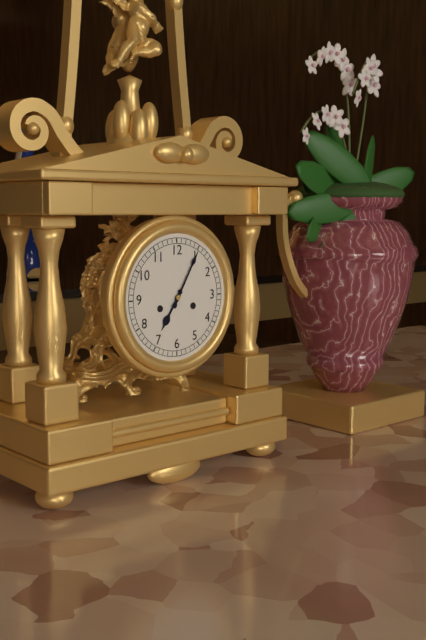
7:05
